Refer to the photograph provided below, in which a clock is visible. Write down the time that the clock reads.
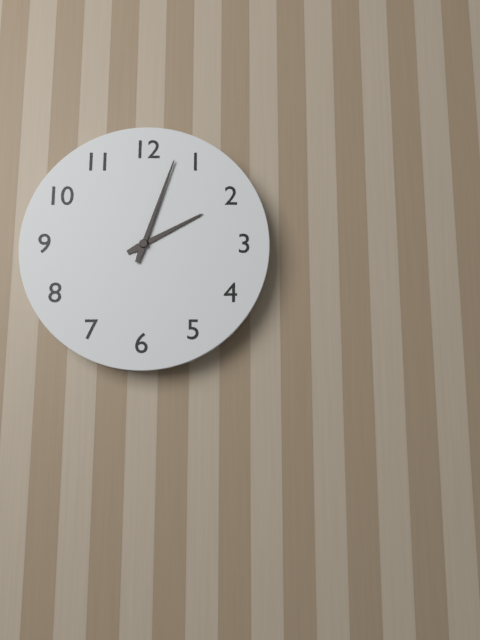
2:03
